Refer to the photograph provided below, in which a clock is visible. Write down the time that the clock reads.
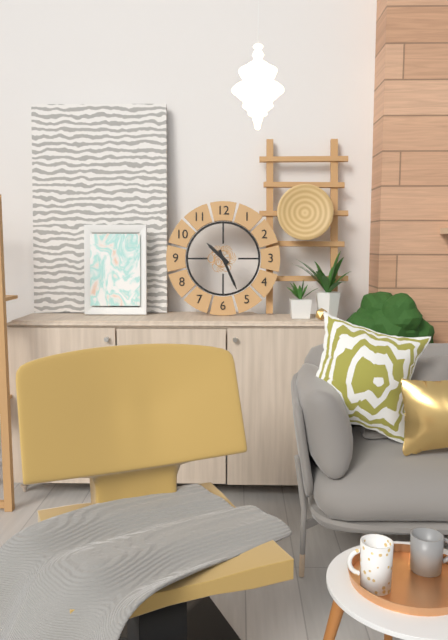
10:26
